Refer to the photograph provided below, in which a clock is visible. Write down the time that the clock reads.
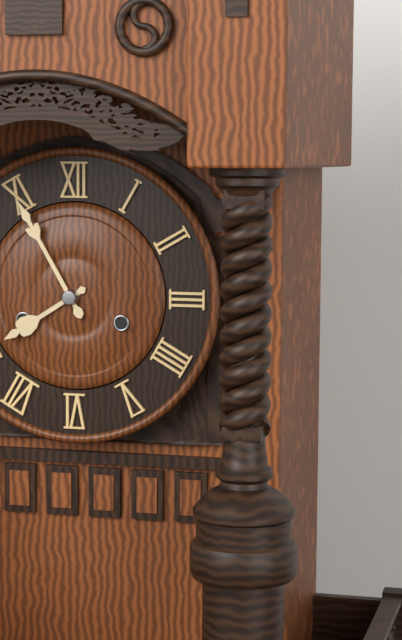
7:55
